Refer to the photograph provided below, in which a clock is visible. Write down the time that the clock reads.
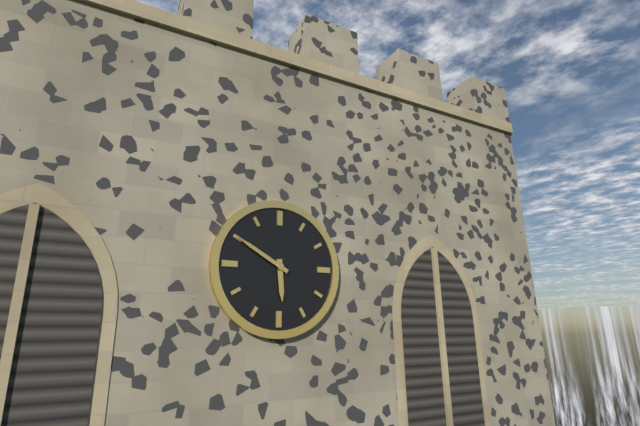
5:50
